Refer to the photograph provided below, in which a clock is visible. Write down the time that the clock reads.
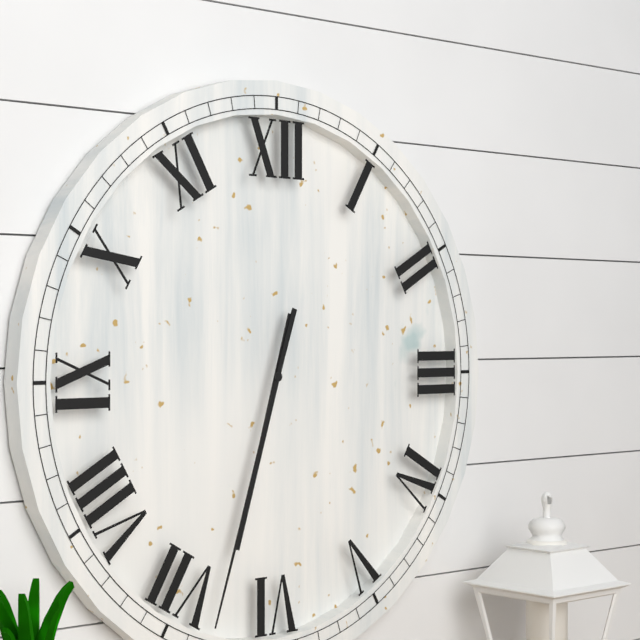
6:33
